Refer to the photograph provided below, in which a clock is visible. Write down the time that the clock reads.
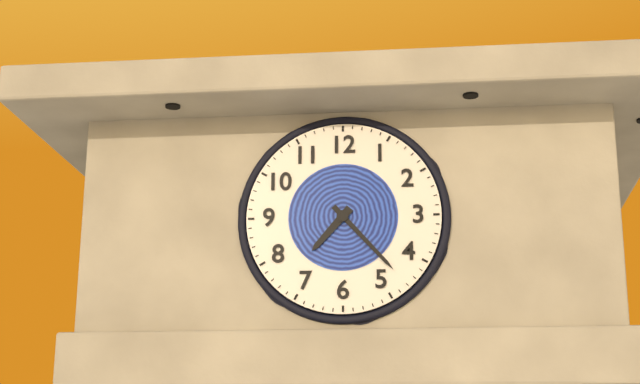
7:23
